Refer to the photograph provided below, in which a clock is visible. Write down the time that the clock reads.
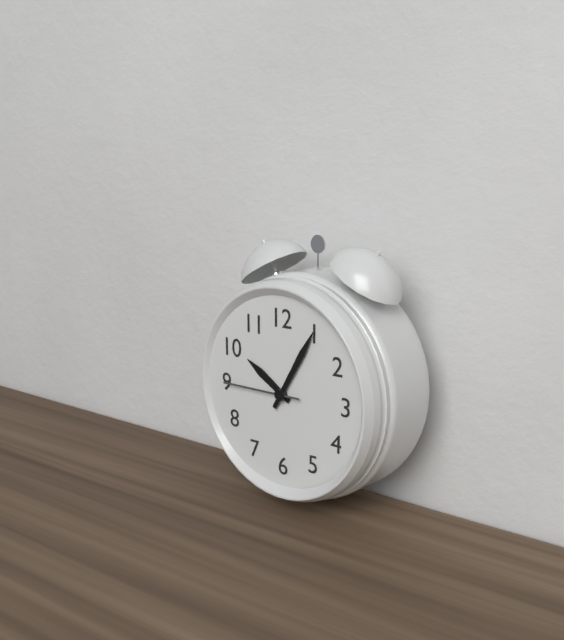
10:05:45
